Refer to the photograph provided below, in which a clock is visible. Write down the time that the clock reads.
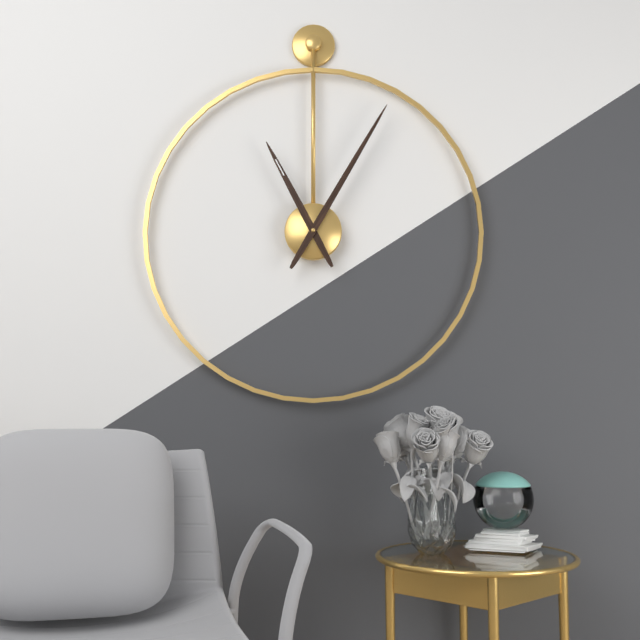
11:05
